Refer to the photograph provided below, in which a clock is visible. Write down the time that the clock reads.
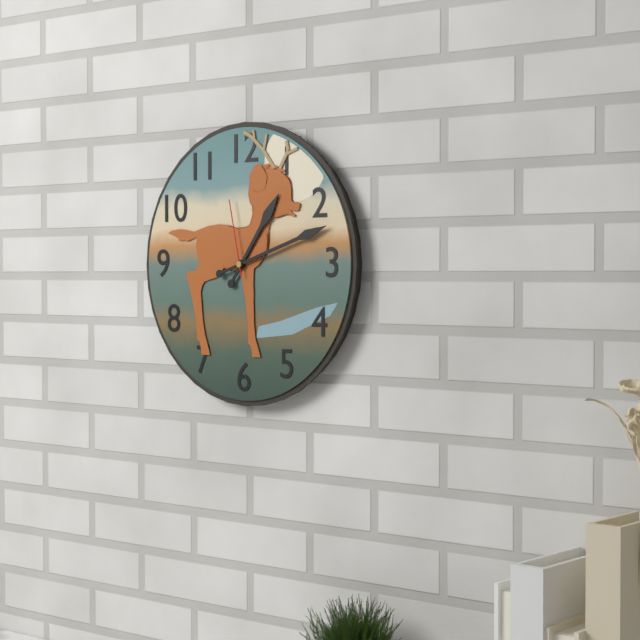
1:12:58
